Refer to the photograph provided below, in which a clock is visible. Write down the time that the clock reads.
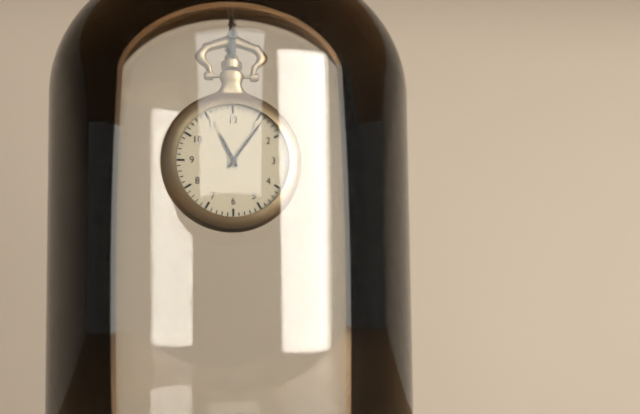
11:06
